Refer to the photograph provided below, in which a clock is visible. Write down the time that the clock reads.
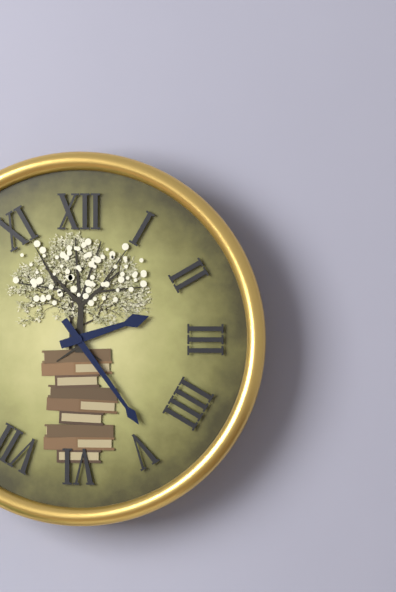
2:24
